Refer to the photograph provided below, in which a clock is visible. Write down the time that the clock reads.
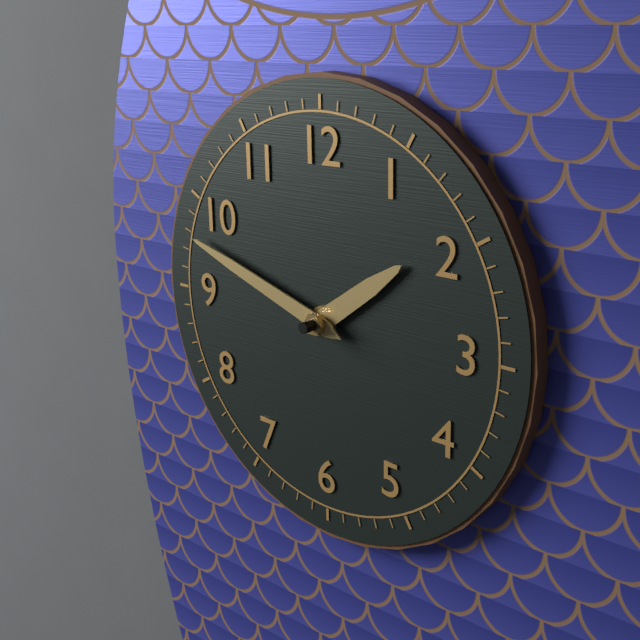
1:48
